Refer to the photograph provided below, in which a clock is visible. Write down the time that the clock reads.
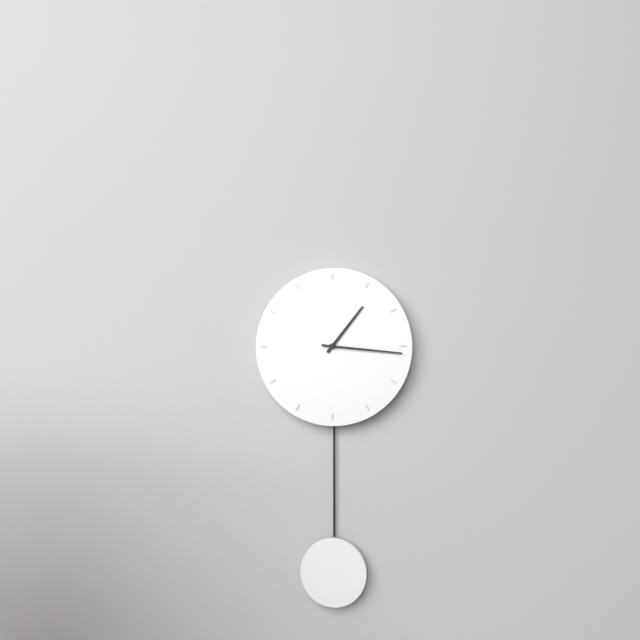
1:16
